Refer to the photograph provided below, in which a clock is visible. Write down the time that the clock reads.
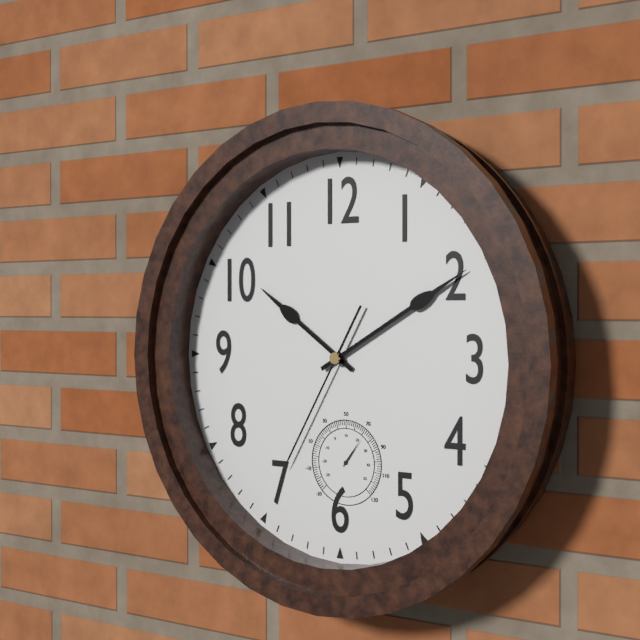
10:10:35
